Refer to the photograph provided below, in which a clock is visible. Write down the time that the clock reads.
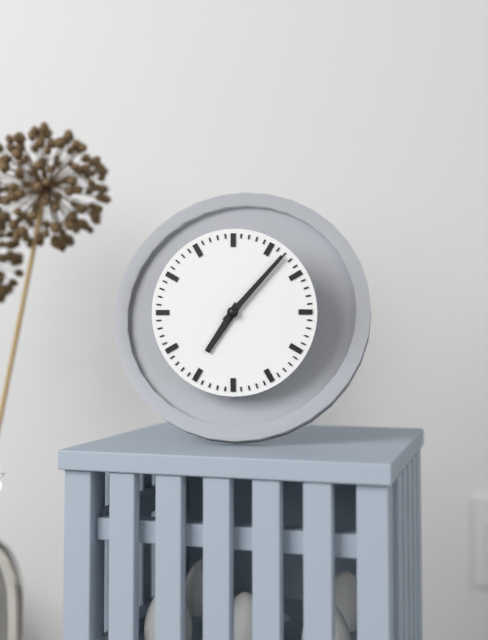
7:07
